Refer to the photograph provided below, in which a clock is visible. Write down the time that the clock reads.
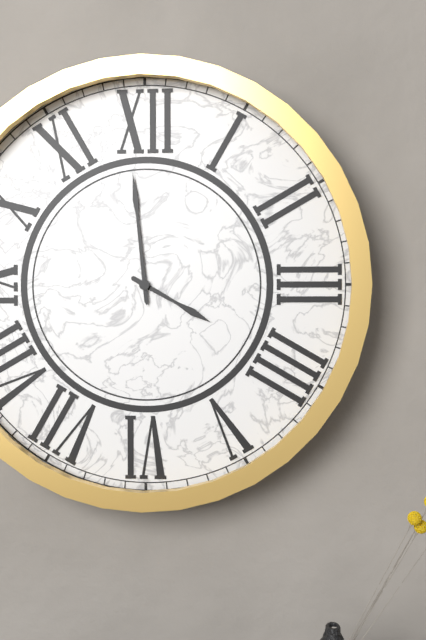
3:59
